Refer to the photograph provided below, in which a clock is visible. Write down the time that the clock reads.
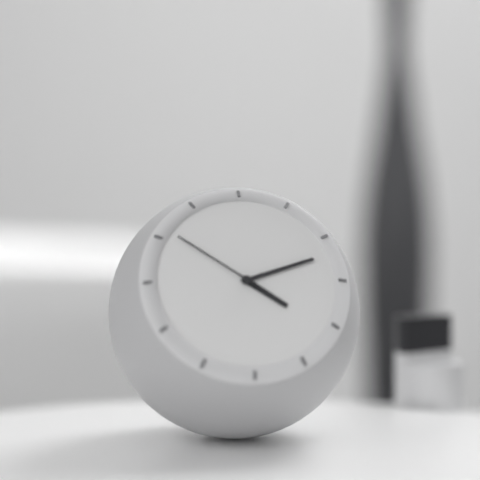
4:12:51
